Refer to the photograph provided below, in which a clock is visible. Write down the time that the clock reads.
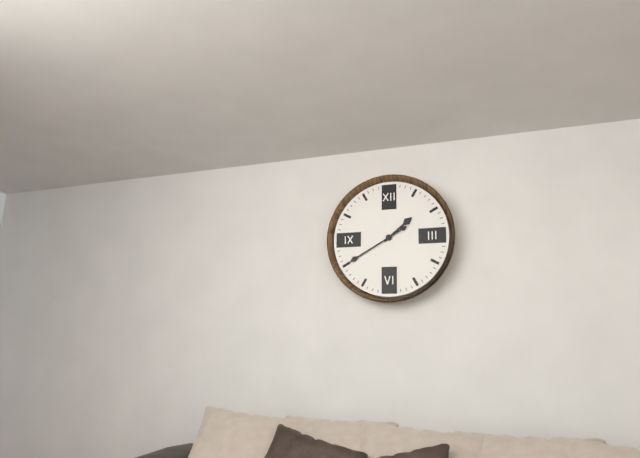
1:40
